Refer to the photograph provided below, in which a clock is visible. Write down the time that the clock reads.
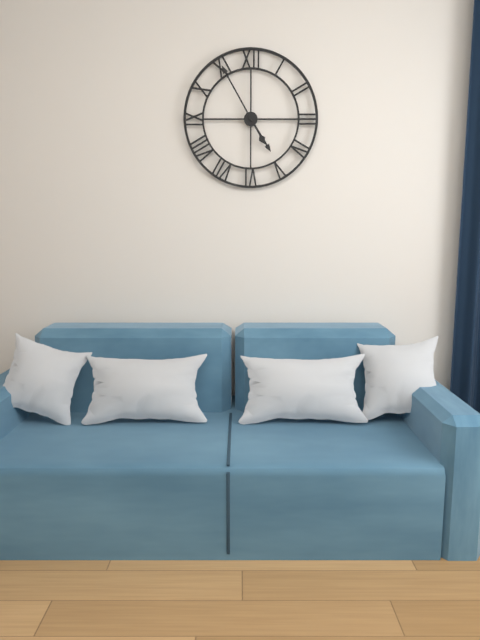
4:55
